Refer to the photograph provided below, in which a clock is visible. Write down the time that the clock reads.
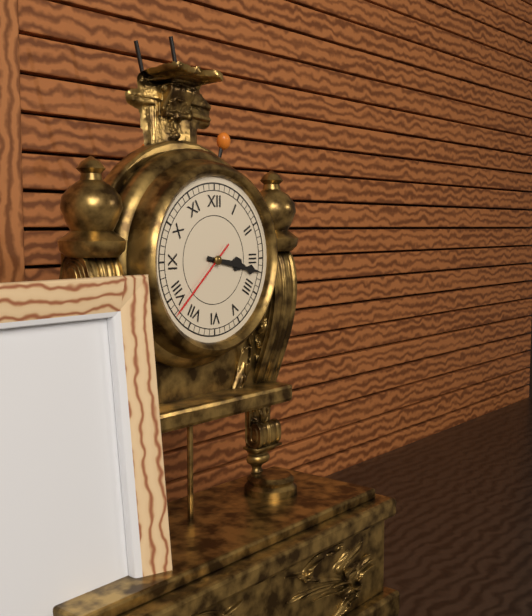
3:17:38
